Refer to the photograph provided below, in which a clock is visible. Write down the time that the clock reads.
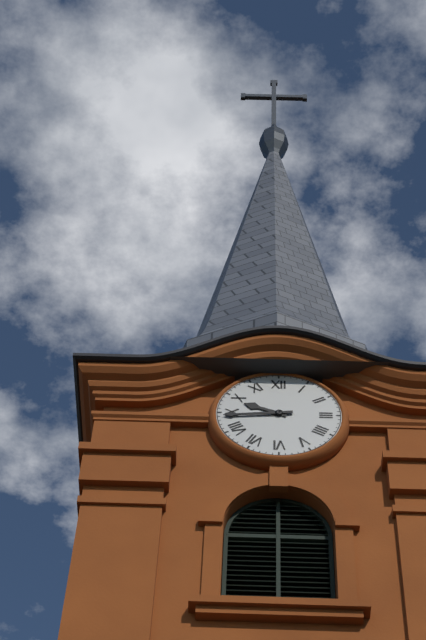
9:44
